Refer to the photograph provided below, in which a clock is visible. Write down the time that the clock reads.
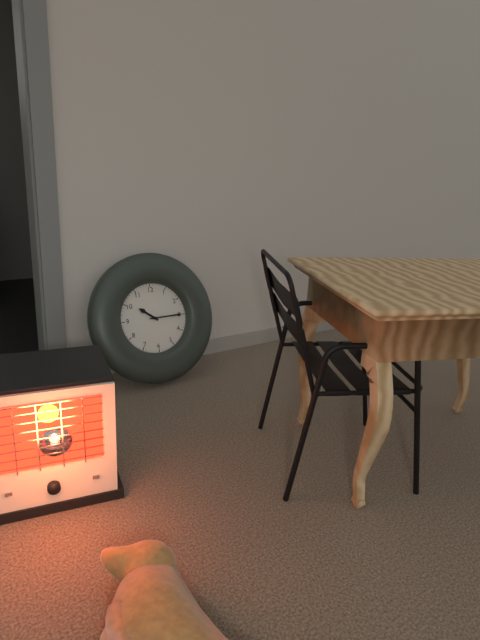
10:15
